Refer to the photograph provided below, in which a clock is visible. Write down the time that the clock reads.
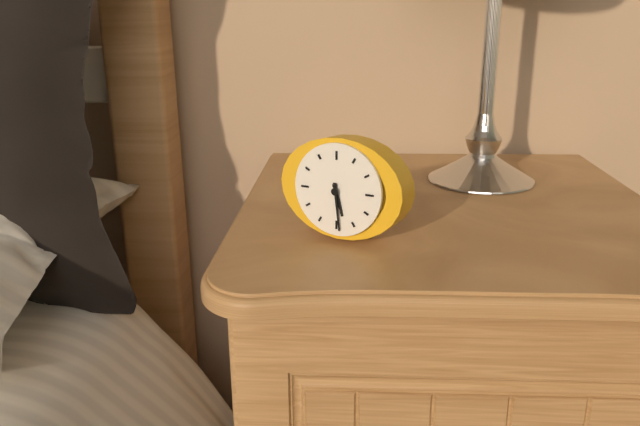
5:29
